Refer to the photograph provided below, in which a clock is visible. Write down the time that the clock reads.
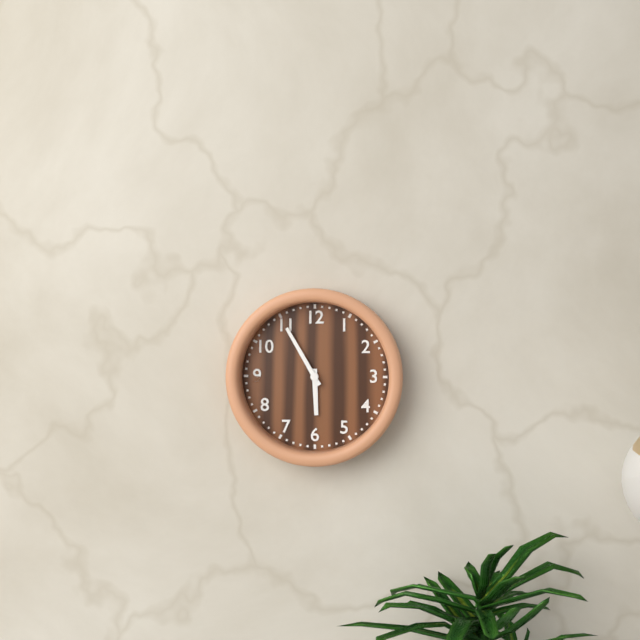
5:55
